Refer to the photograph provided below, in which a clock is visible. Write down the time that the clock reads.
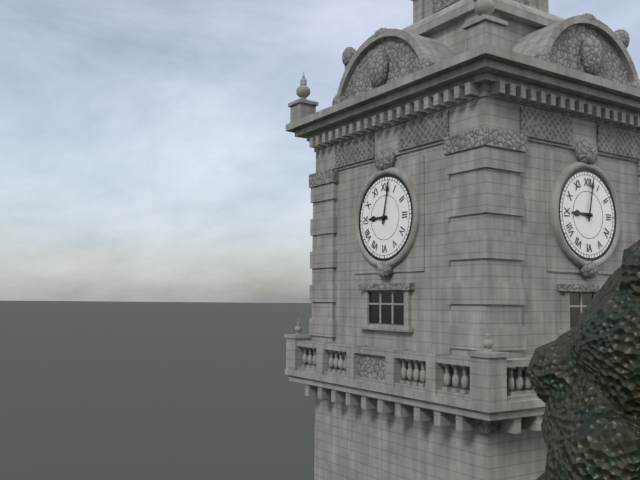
9:02
